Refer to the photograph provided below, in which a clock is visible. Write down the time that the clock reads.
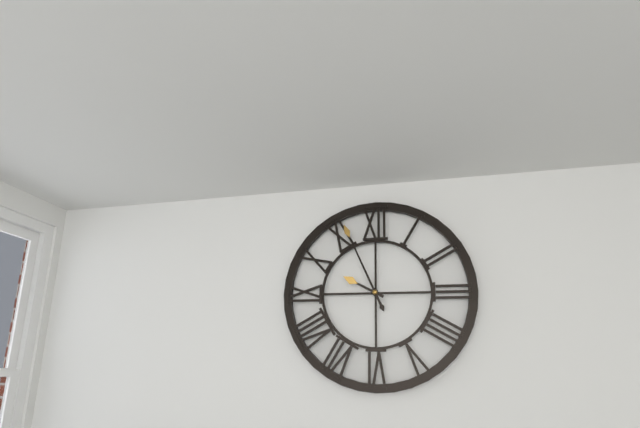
9:56
